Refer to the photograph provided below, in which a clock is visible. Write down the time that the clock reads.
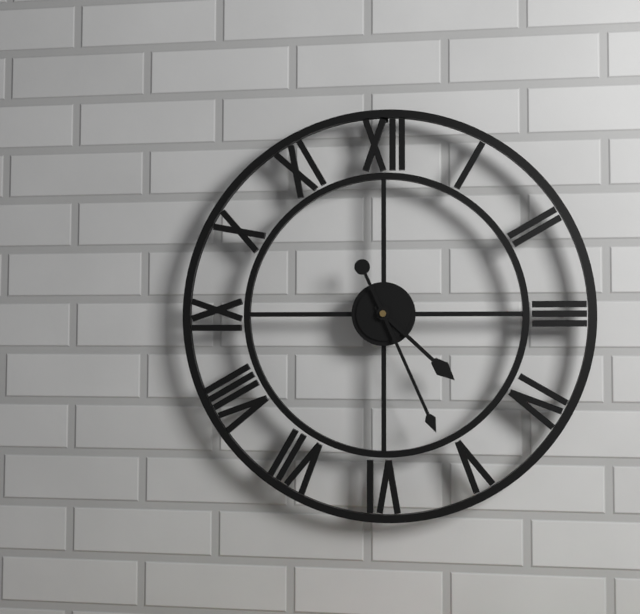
4:26
